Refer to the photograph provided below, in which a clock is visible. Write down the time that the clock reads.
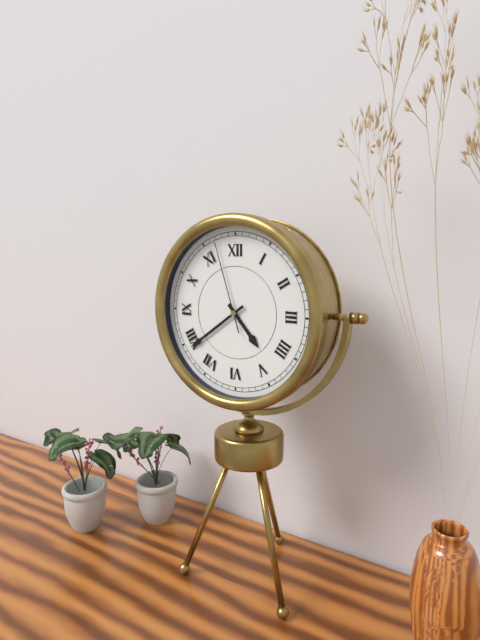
4:39:57
